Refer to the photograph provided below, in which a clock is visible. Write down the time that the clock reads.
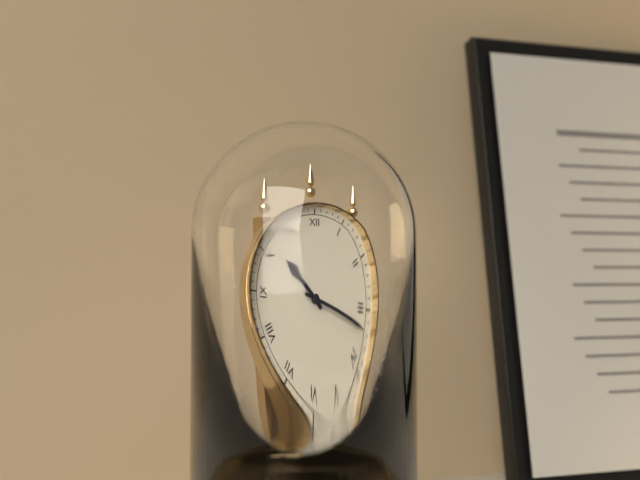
10:17
